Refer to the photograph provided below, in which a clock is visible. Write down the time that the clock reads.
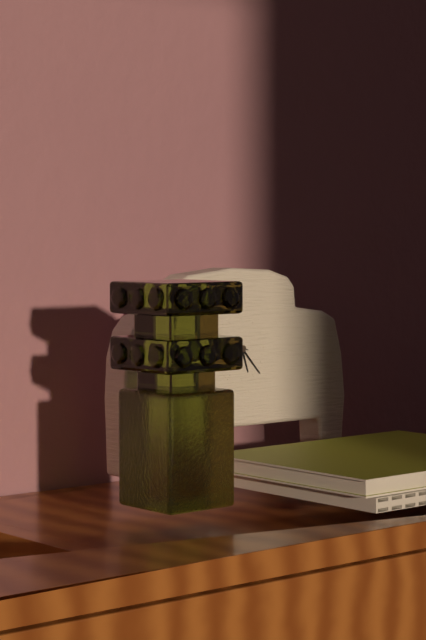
5:23
